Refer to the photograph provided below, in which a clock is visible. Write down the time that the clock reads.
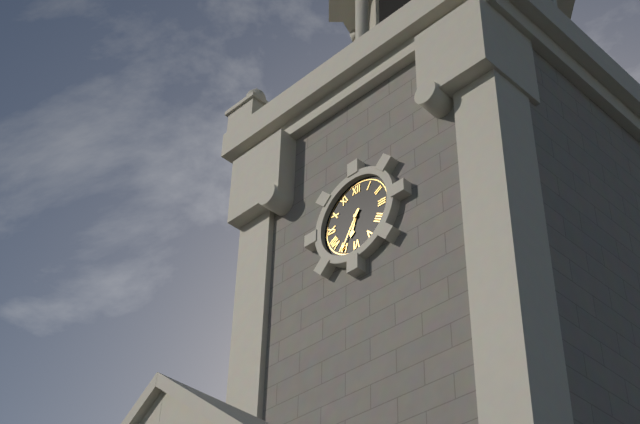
6:35
